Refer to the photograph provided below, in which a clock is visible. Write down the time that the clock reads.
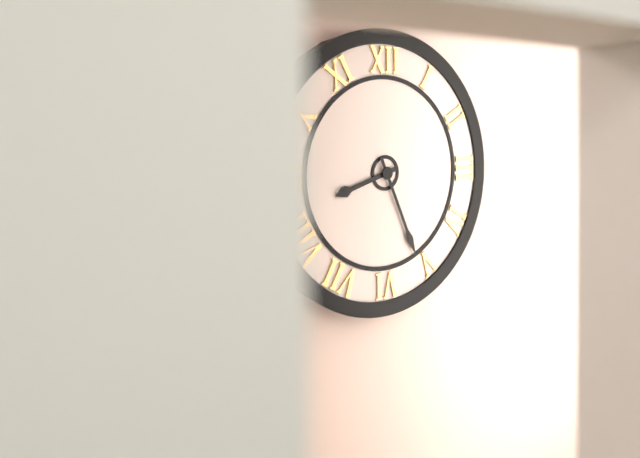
8:26
